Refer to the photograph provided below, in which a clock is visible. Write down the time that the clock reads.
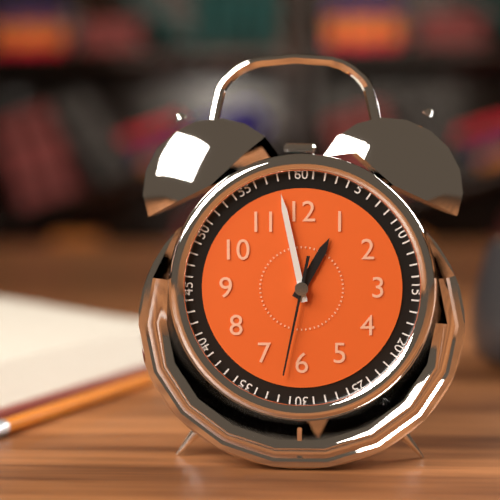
12:58:32
